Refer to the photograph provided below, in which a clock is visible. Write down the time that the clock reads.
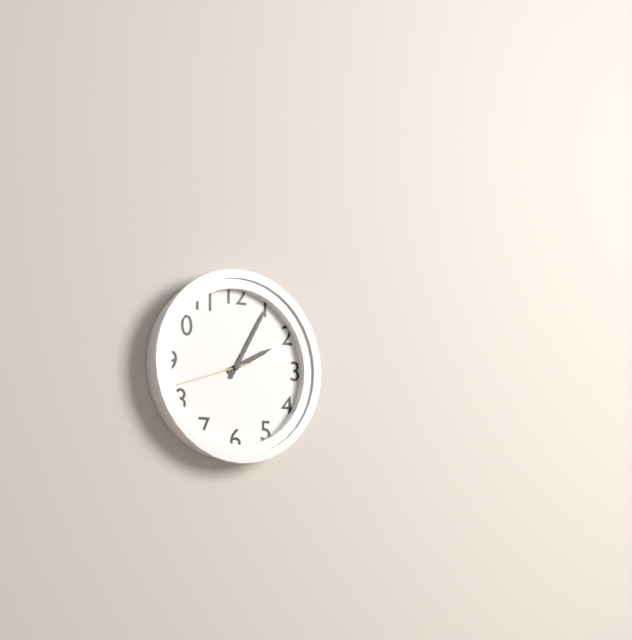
2:05:42
